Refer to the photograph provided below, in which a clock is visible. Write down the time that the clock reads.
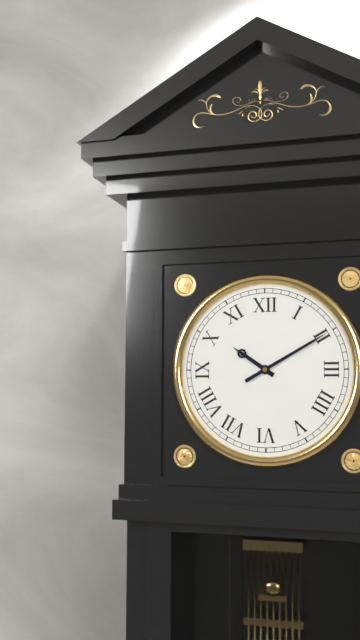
10:10
